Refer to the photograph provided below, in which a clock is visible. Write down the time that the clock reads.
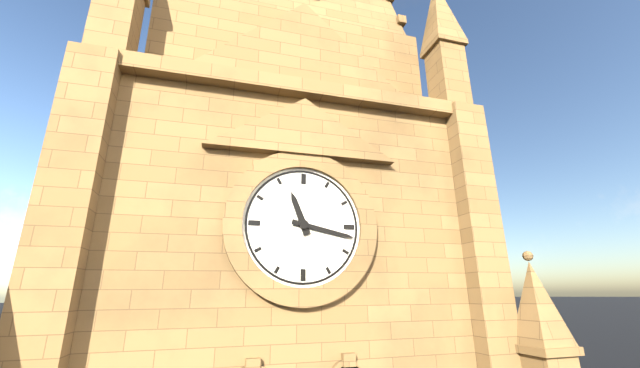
11:17
